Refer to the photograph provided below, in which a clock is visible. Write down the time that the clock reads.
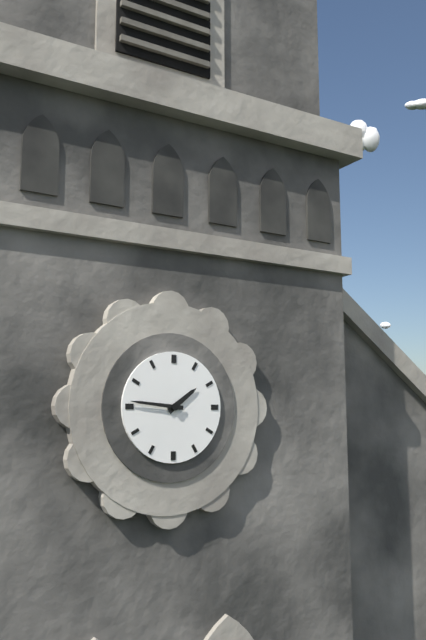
1:46
